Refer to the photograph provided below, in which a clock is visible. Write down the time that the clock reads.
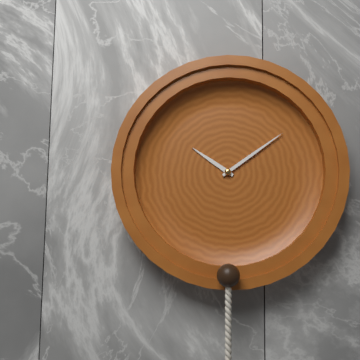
10:09
